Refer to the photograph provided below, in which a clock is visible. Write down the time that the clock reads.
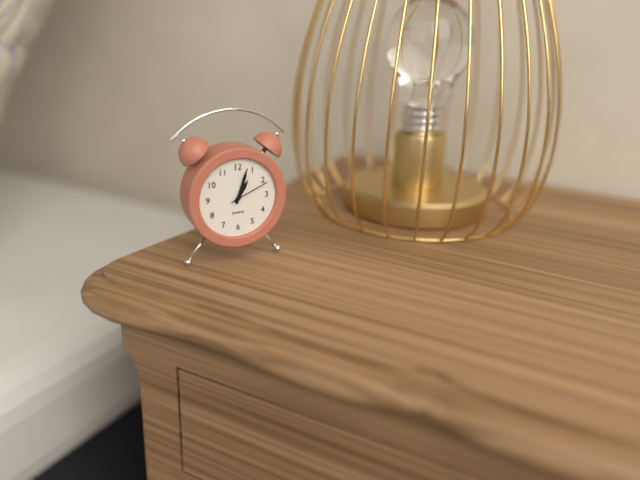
1:03
